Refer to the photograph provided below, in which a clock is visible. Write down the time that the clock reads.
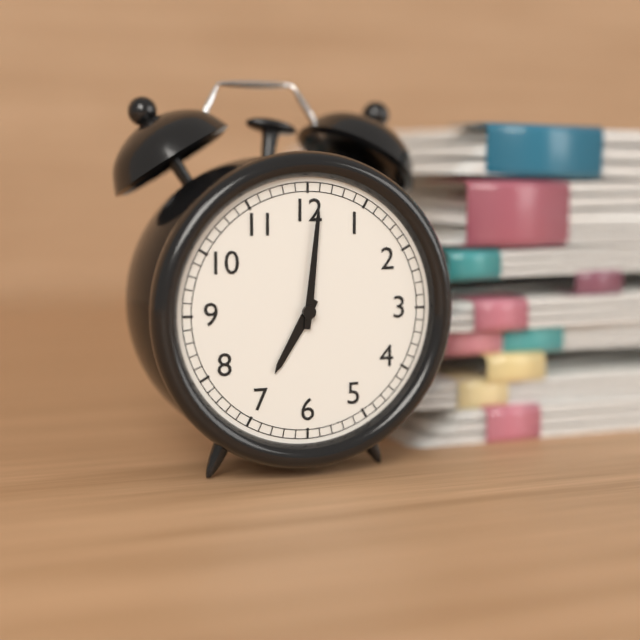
7:01
